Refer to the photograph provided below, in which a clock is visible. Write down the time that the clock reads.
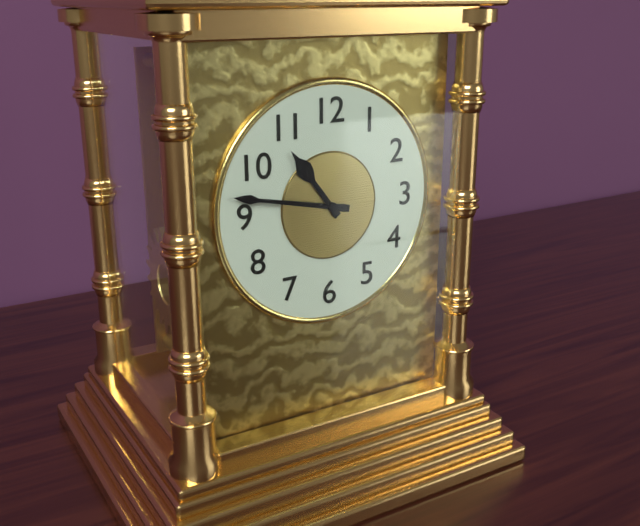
10:47
